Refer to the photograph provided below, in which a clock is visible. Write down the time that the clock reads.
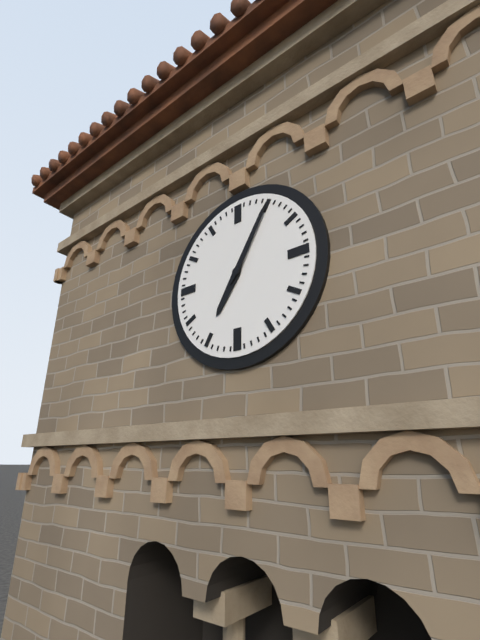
7:05
